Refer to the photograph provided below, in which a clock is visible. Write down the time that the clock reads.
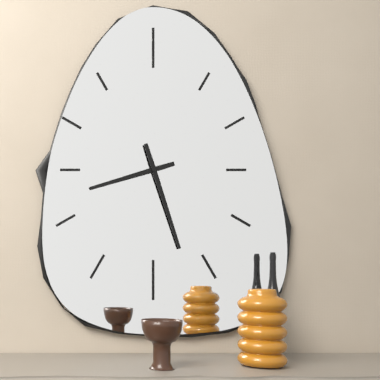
8:27
